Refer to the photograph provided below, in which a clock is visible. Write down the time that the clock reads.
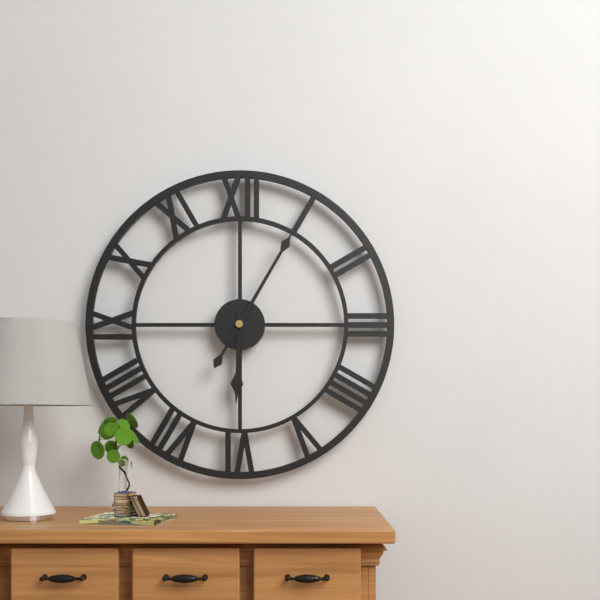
6:05
